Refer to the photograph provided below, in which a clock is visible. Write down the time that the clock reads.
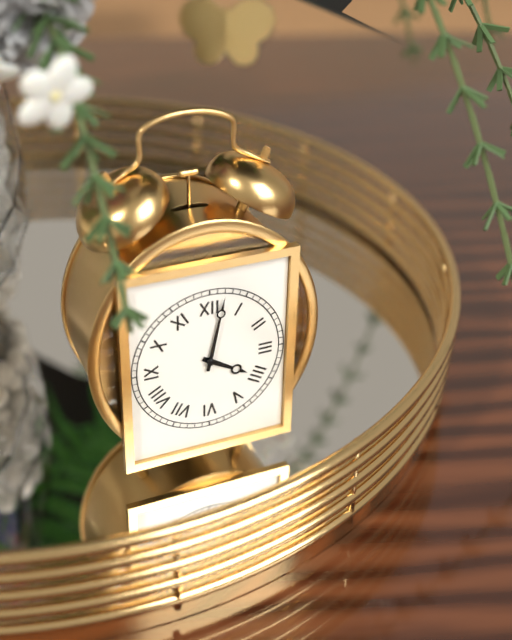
4:02
